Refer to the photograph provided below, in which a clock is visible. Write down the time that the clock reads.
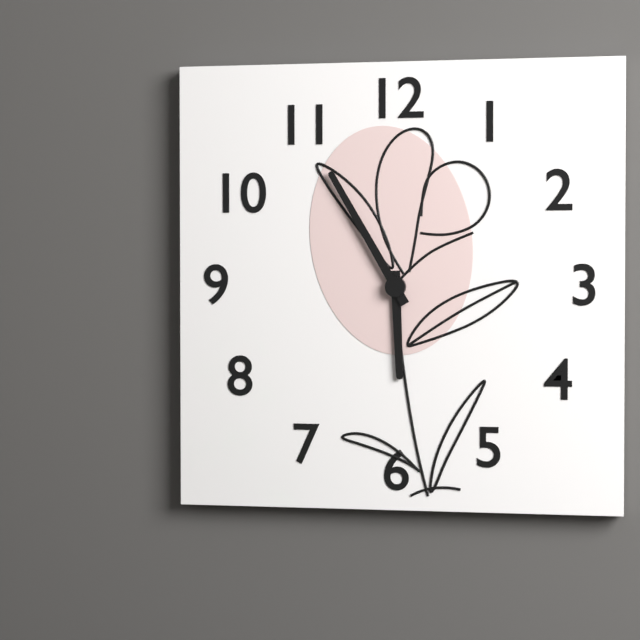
5:55
